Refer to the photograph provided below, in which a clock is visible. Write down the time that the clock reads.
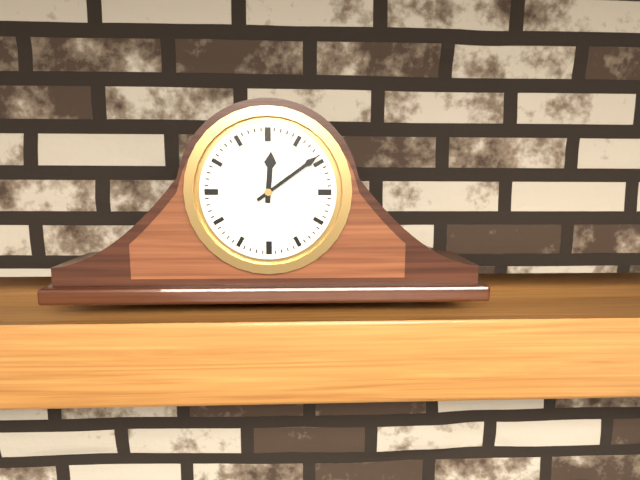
12:09
